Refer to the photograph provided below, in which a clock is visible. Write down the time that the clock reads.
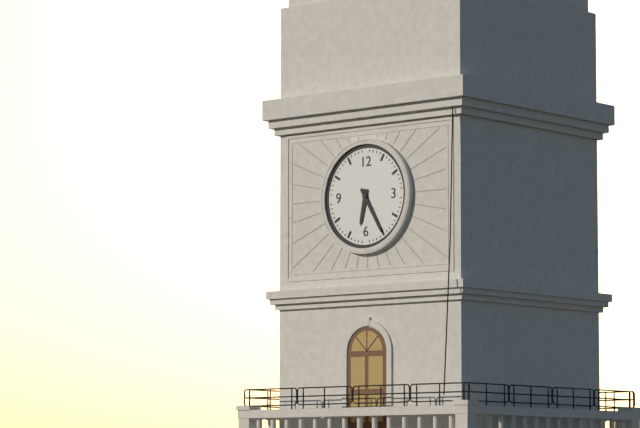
6:25
